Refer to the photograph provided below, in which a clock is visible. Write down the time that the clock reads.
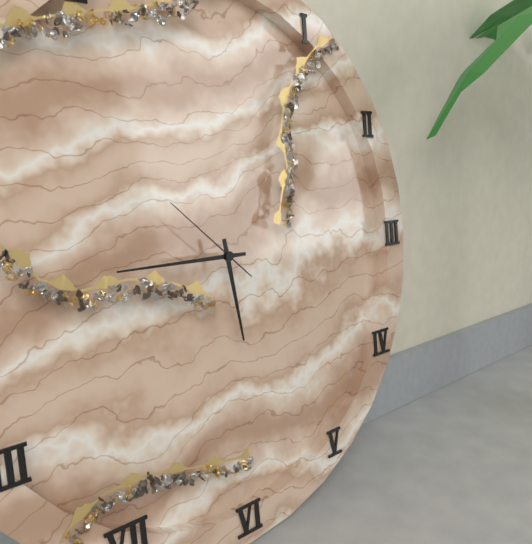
5:45:52
